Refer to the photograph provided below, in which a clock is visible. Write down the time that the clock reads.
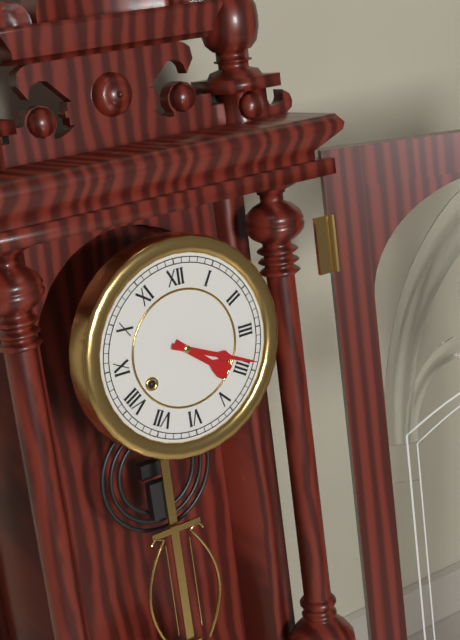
4:19
